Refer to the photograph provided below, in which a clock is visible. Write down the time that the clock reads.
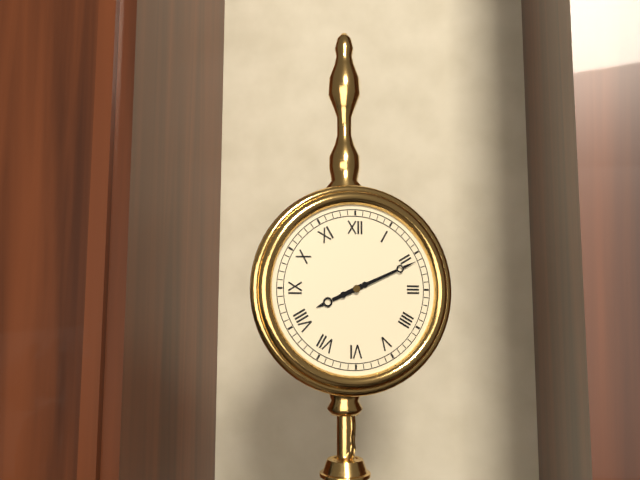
8:11
